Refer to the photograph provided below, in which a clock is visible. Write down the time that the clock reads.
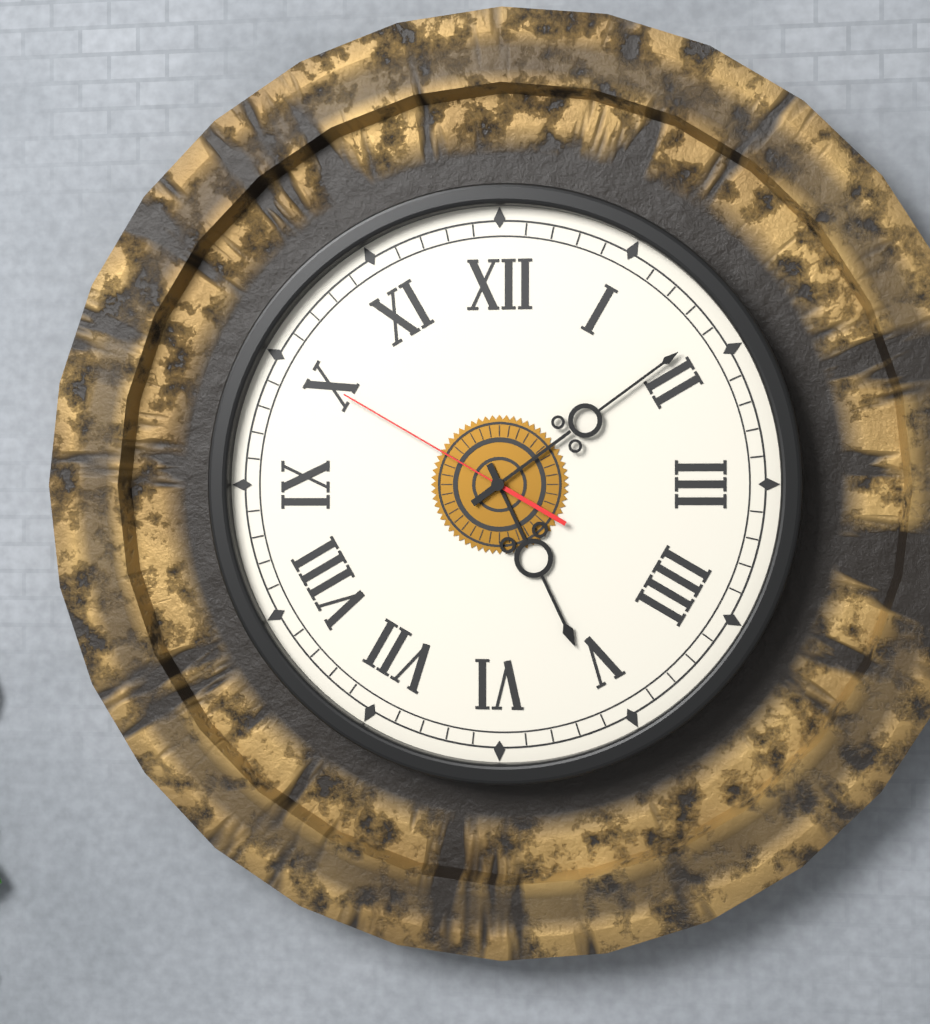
5:09:50
